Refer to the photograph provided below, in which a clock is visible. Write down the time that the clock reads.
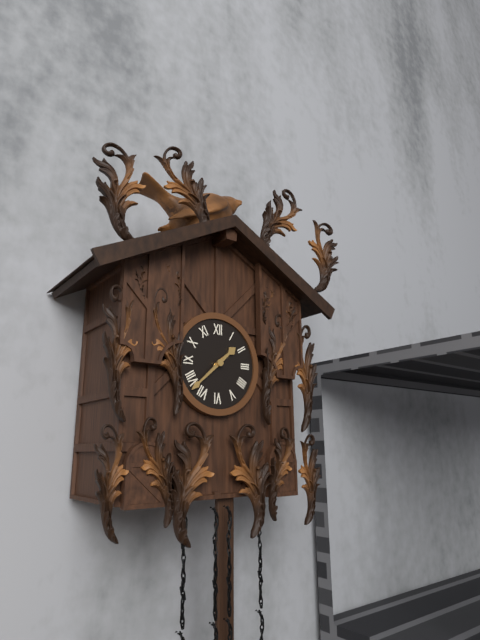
1:38
